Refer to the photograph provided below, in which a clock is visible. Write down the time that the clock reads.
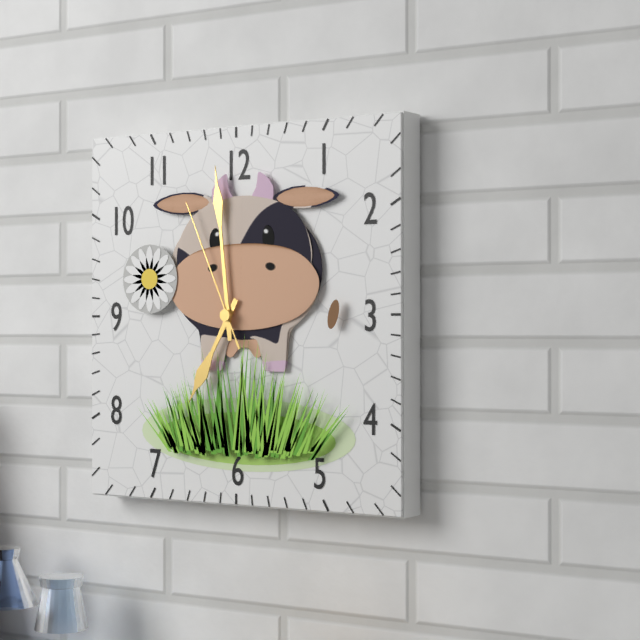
6:59:56
